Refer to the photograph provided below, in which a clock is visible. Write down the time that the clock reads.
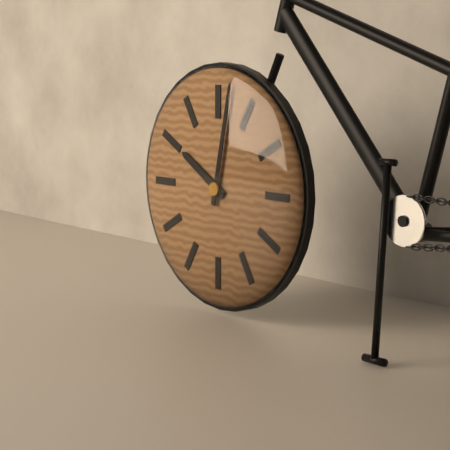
10:02
